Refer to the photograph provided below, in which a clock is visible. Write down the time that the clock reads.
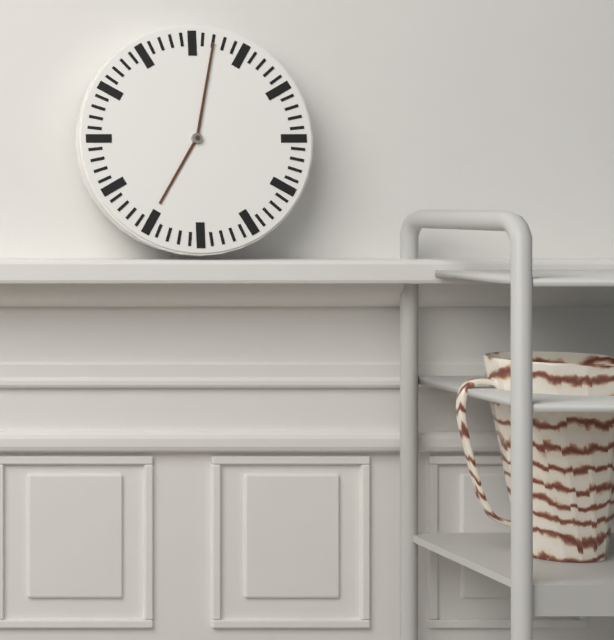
7:02
